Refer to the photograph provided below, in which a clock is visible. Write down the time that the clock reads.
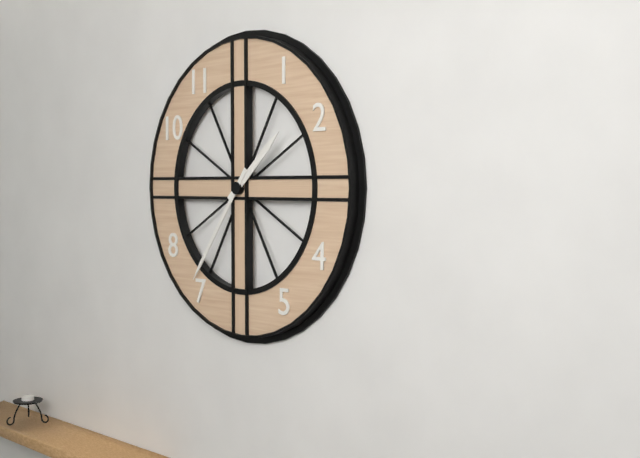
1:36
